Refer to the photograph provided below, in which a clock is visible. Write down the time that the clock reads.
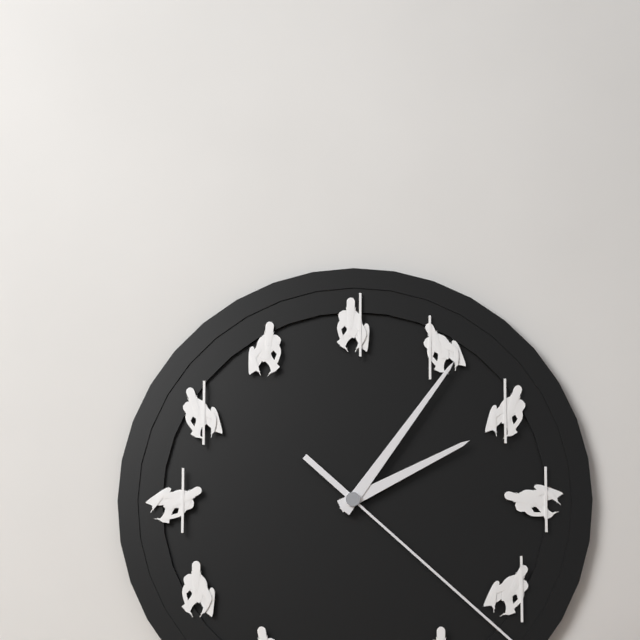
2:06
